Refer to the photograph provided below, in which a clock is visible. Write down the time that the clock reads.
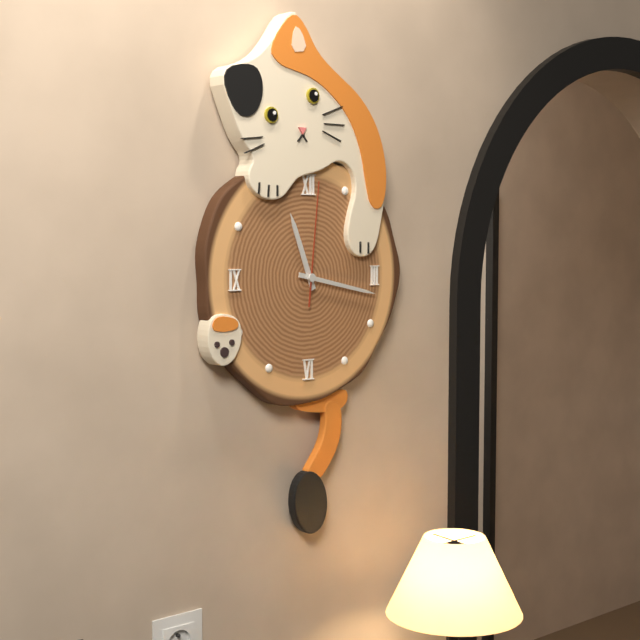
11:17:01
